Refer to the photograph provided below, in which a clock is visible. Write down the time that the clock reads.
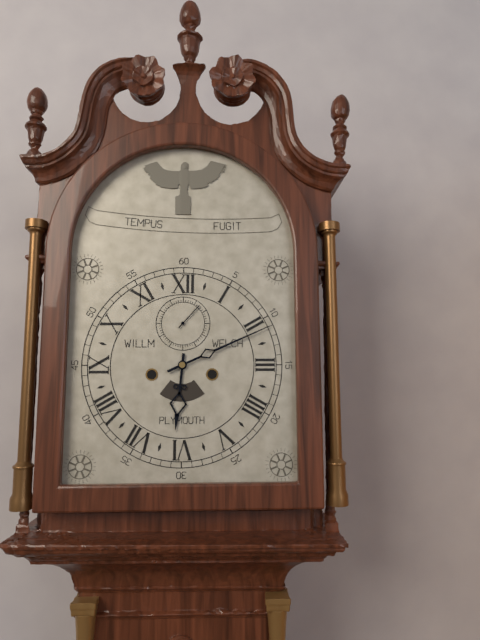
6:11
